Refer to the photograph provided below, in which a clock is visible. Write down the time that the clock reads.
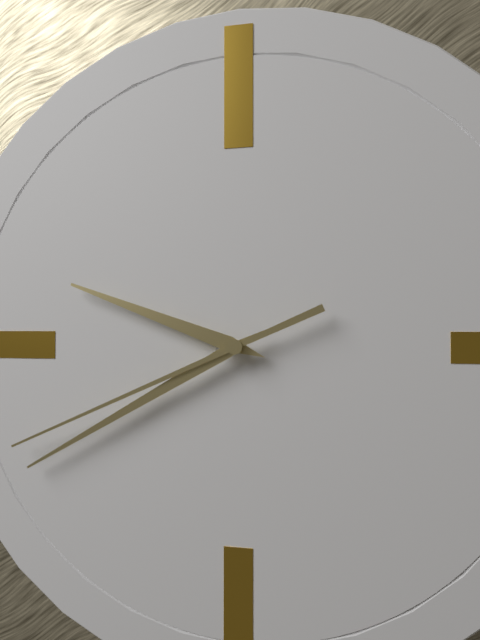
9:40:41
